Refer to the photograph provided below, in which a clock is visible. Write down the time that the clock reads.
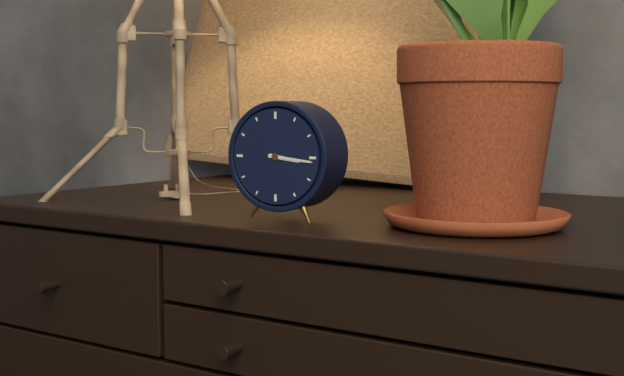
3:16
